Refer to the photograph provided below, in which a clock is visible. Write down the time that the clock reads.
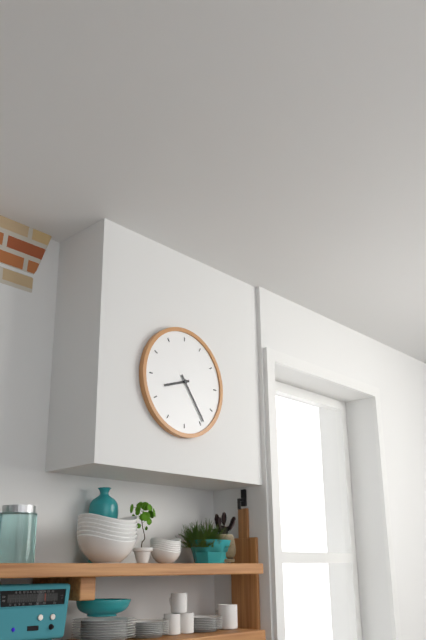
8:24
